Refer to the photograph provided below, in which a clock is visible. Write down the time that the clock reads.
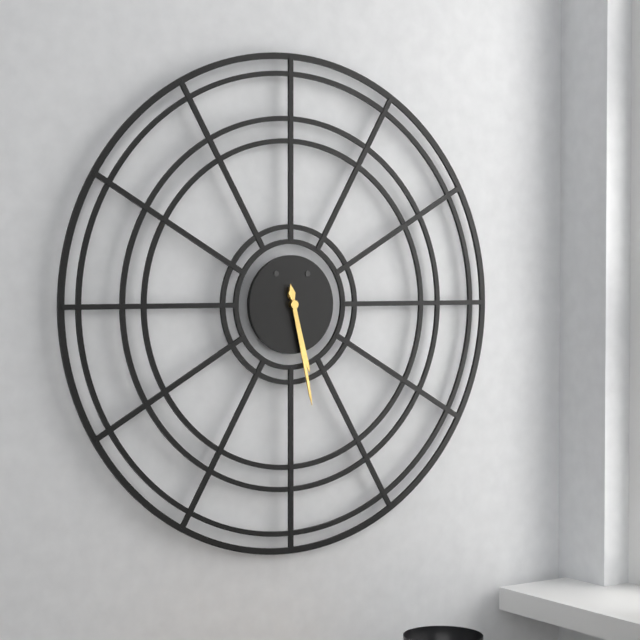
5:28
